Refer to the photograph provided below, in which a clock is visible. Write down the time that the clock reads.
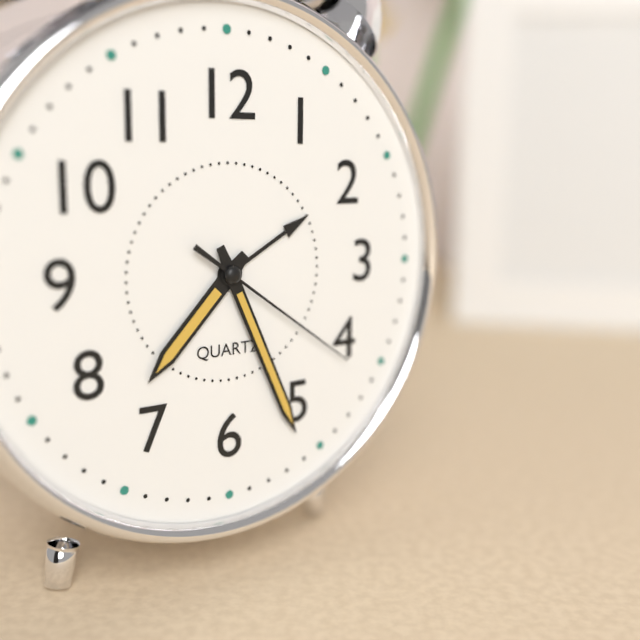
7:26:21
